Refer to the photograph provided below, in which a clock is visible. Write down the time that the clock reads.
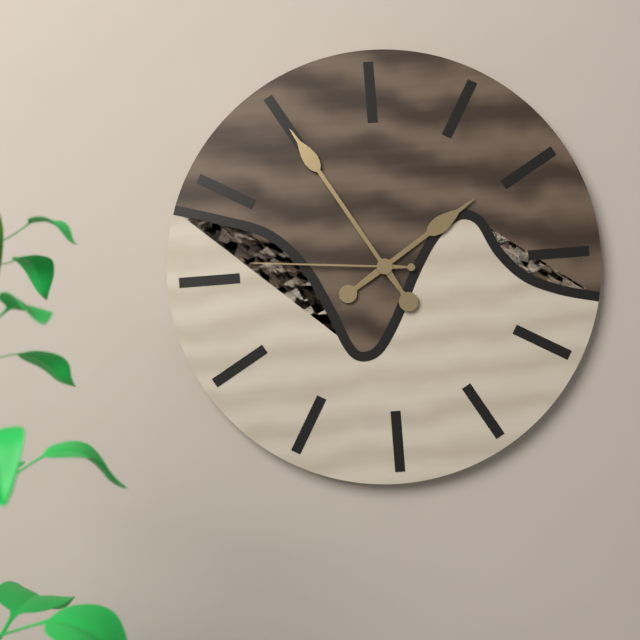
1:55:46
